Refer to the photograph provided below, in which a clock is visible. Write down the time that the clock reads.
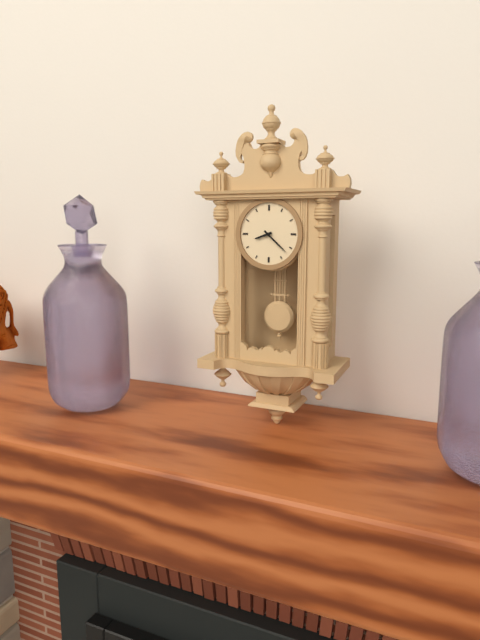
8:22
